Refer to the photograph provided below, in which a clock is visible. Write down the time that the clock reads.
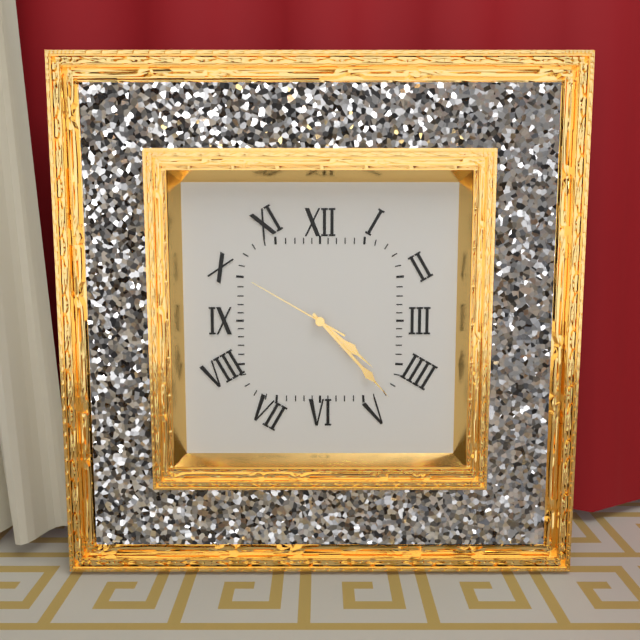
4:23:50
